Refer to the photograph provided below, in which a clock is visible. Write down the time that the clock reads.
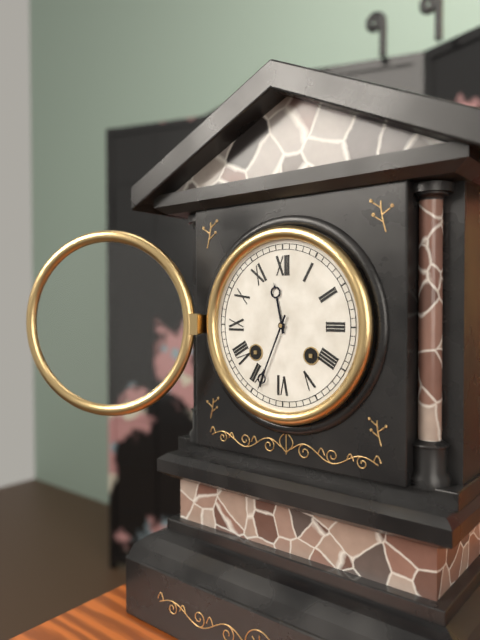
11:34
